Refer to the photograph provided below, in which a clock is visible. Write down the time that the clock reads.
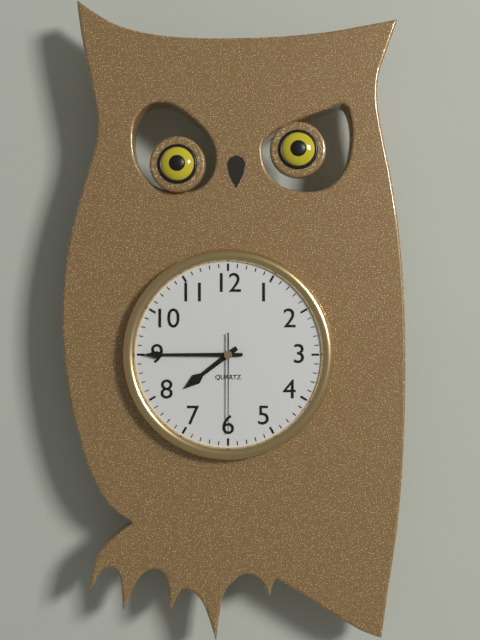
7:45:30
